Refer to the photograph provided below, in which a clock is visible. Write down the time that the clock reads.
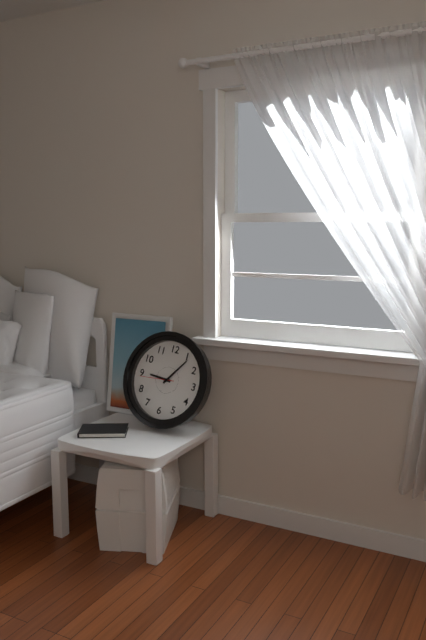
9:06
